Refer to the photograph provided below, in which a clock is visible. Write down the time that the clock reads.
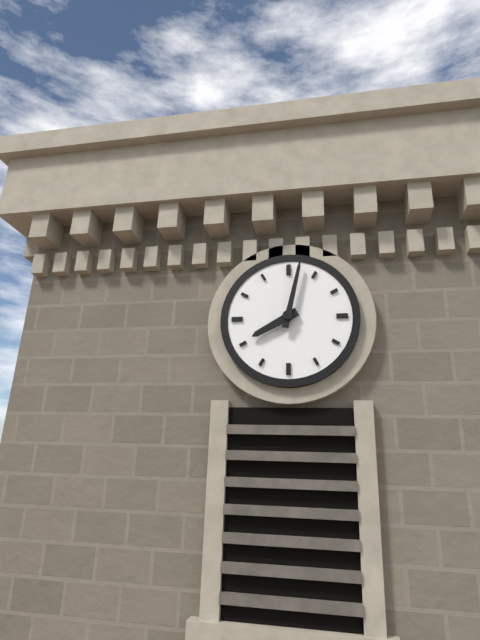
8:02
